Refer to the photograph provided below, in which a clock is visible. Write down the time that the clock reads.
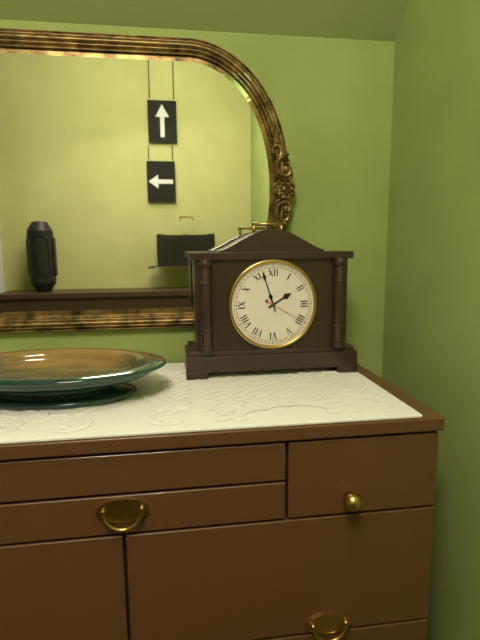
1:57
